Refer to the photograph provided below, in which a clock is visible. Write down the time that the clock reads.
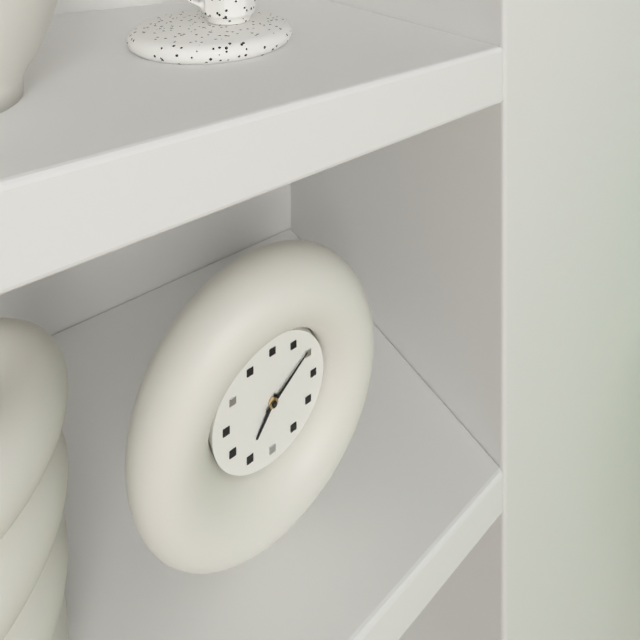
7:09
